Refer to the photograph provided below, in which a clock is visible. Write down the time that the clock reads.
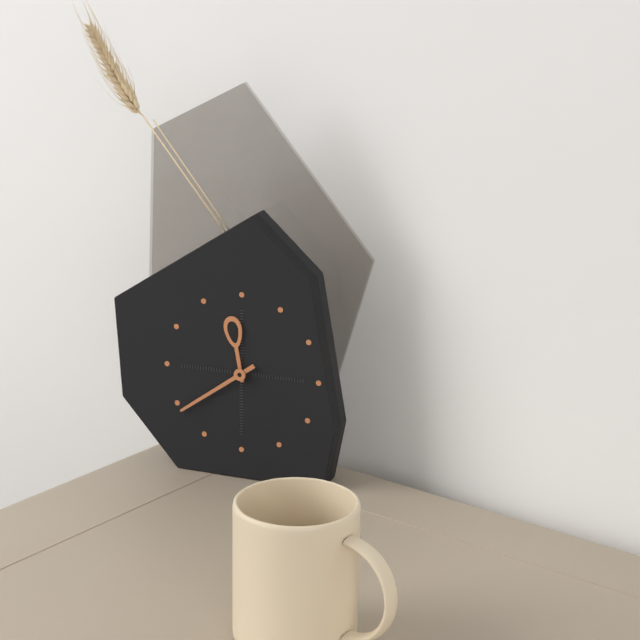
11:39
